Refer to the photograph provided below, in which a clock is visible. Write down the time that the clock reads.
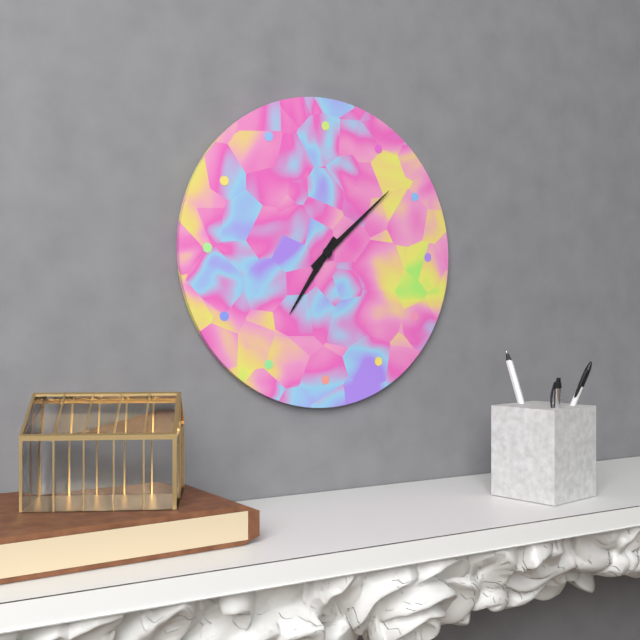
7:08
